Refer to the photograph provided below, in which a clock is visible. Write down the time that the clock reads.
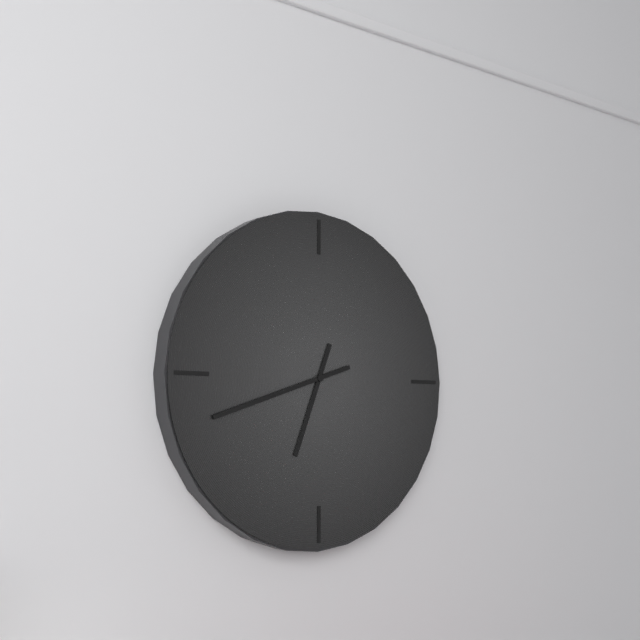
6:42
